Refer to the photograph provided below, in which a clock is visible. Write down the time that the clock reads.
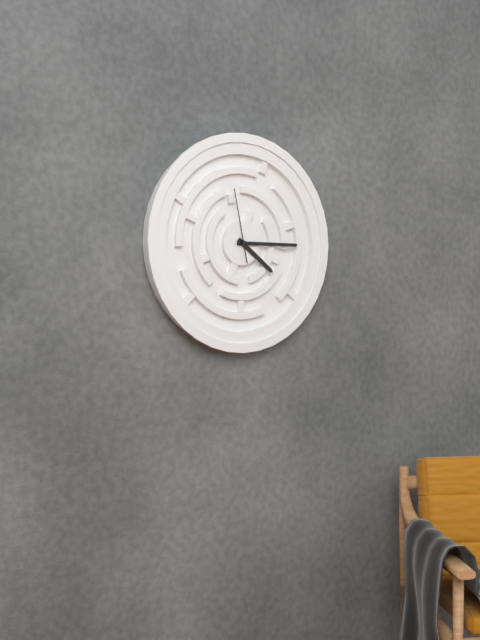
4:15:58
